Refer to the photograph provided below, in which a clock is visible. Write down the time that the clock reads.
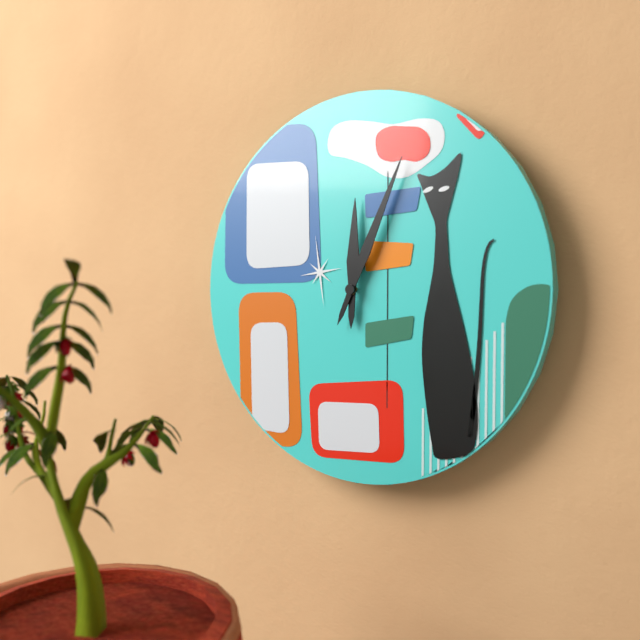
12:04
